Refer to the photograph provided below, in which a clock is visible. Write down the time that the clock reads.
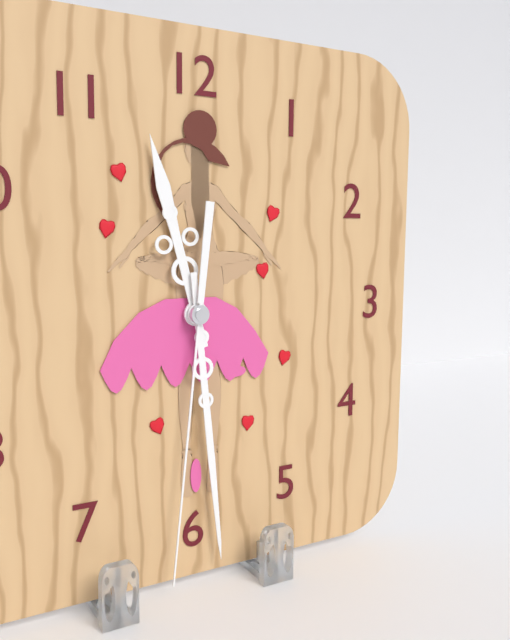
11:29:31
